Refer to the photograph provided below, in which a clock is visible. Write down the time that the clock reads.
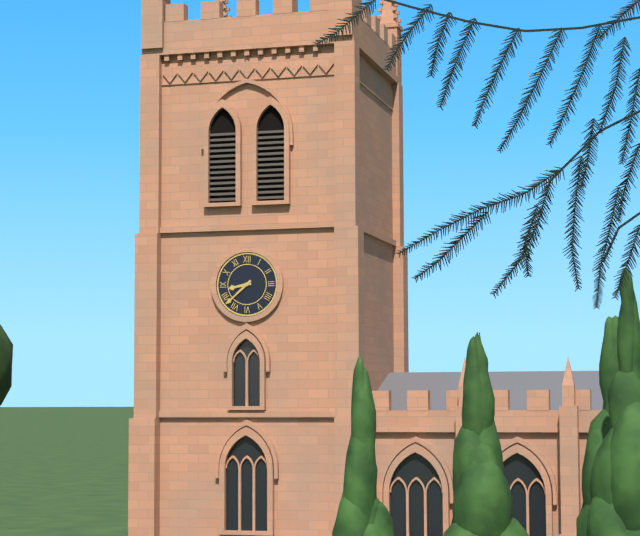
8:38
